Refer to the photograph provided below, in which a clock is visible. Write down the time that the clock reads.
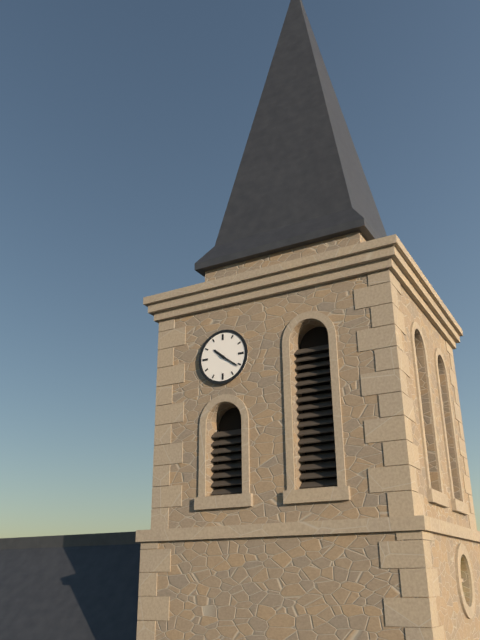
10:21
